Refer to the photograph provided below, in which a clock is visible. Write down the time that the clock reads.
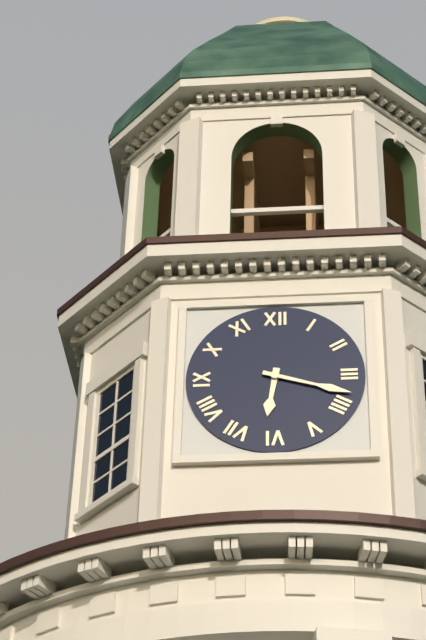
6:18
